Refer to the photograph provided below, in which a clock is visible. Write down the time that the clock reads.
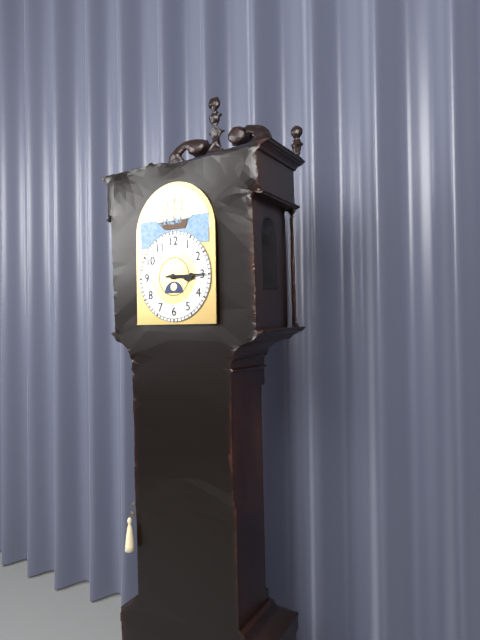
3:15
